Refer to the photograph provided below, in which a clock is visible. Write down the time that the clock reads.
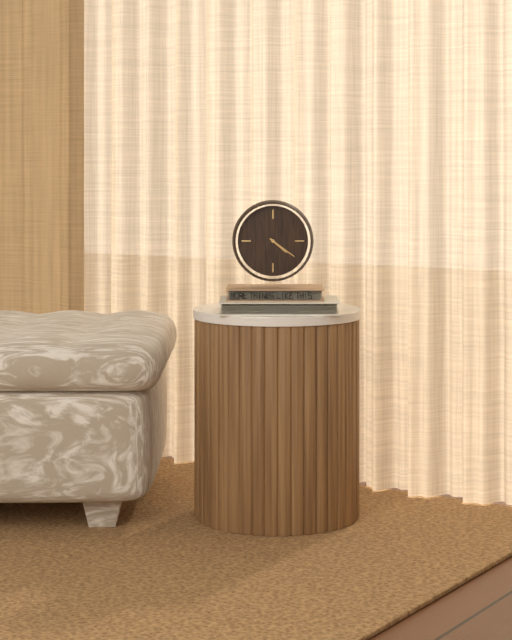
4:21
